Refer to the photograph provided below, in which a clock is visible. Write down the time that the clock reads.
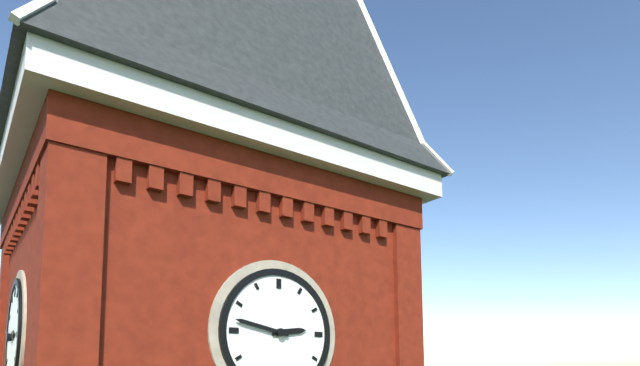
2:47
